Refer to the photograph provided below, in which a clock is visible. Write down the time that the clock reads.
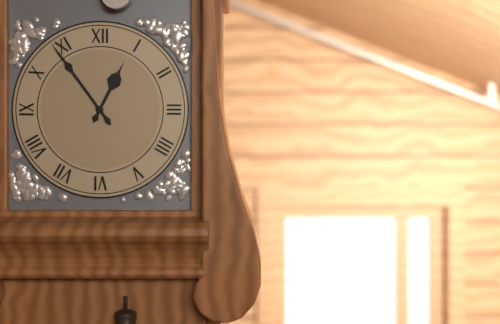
12:54
